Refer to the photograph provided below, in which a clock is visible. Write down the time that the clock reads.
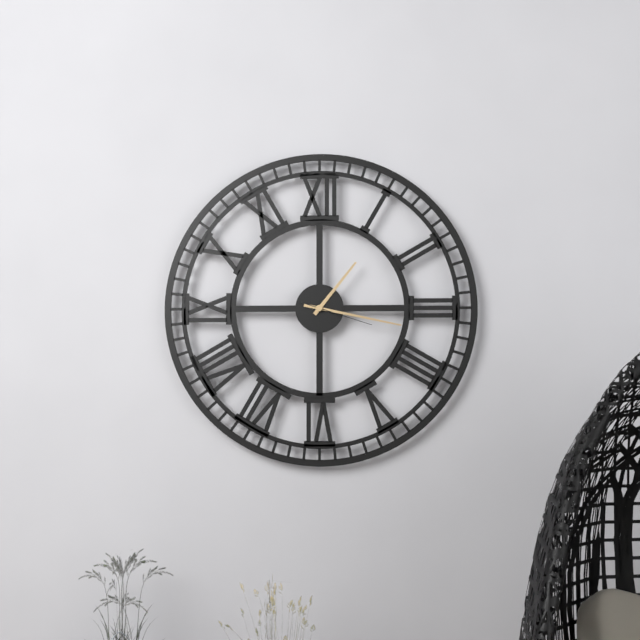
1:17:18
